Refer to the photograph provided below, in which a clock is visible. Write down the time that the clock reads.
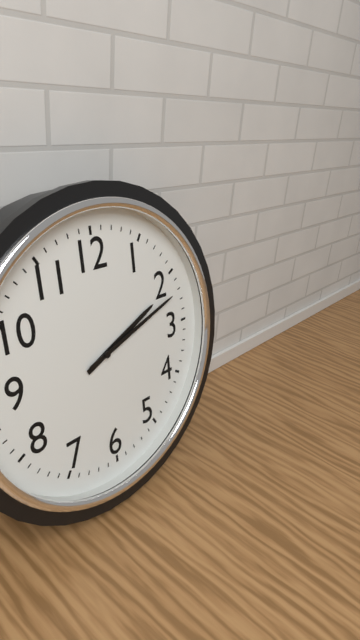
2:12
